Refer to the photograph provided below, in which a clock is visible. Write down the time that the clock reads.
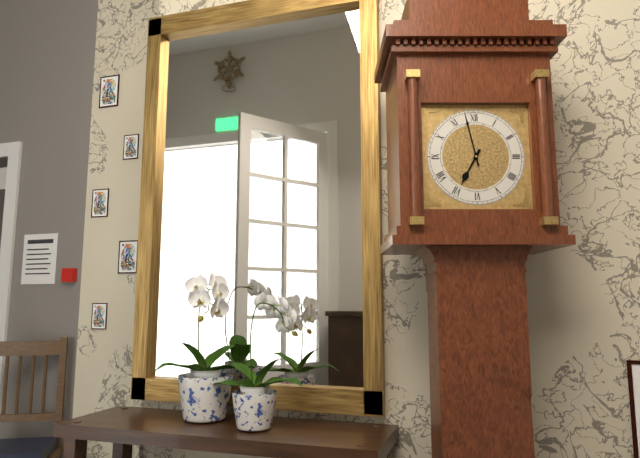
6:58
